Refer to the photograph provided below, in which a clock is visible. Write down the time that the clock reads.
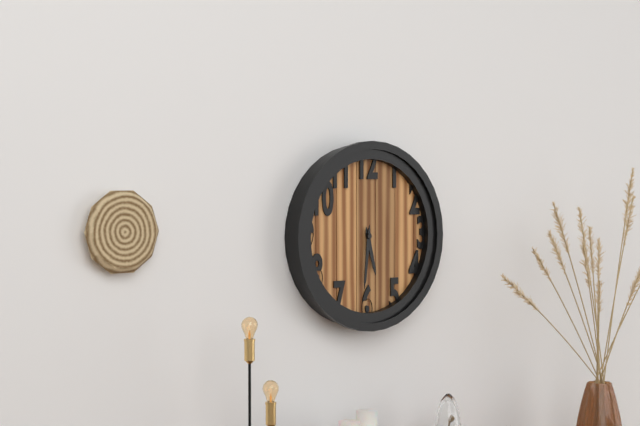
5:31
